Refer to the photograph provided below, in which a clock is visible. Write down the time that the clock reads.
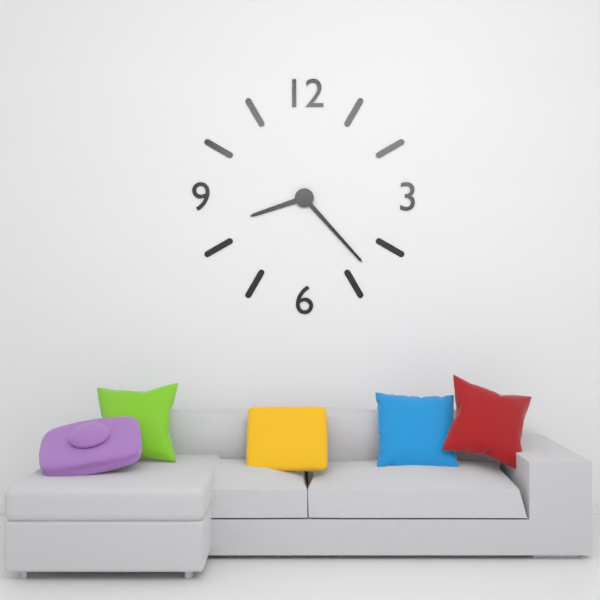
8:23
